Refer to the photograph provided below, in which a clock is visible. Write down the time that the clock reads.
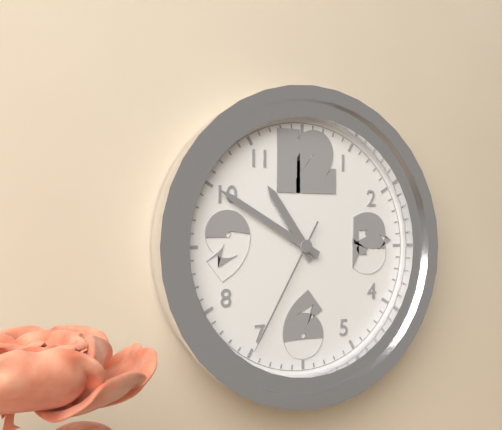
10:50:35
